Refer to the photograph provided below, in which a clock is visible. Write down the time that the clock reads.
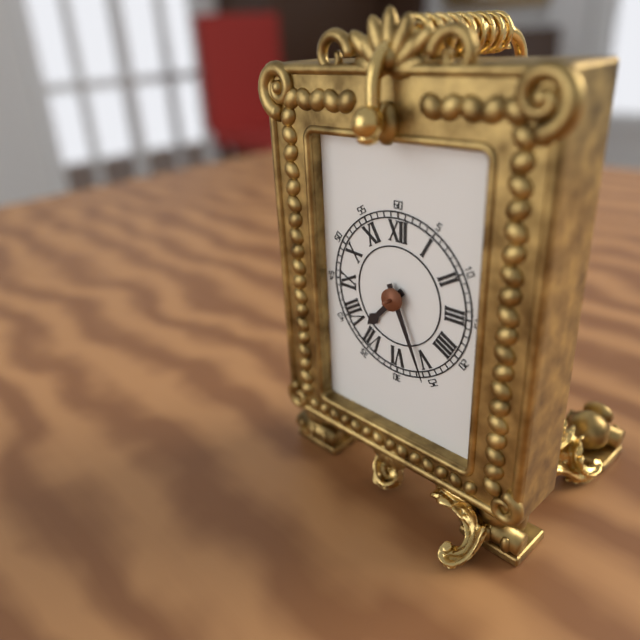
7:26
